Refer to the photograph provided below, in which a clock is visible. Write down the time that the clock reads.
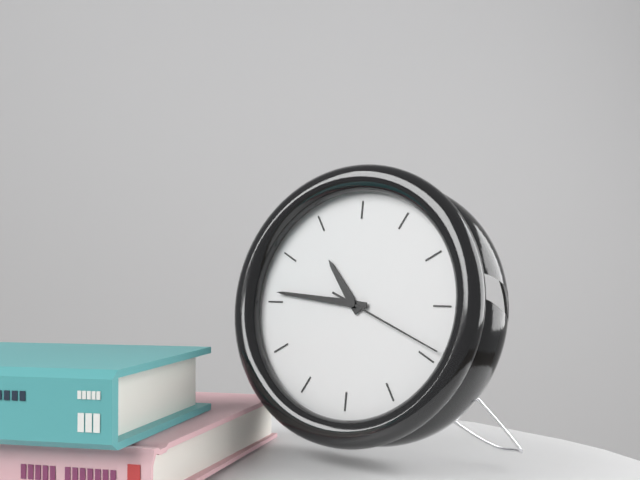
10:46:19
